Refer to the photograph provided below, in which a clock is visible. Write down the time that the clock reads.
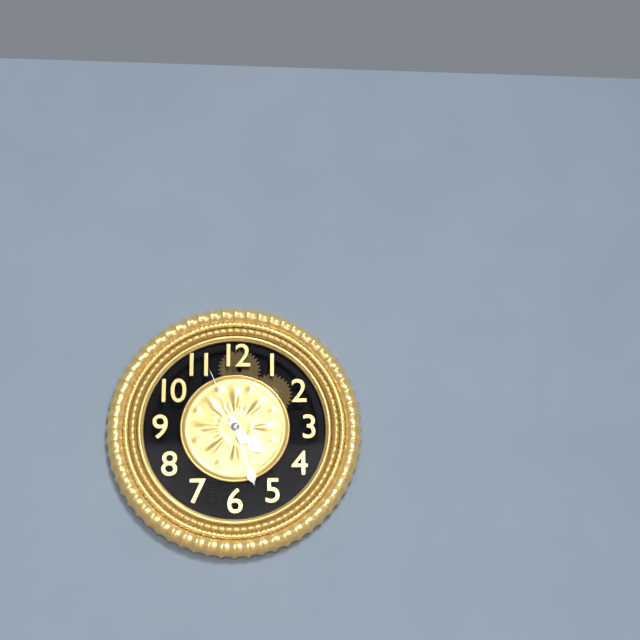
4:27:56
